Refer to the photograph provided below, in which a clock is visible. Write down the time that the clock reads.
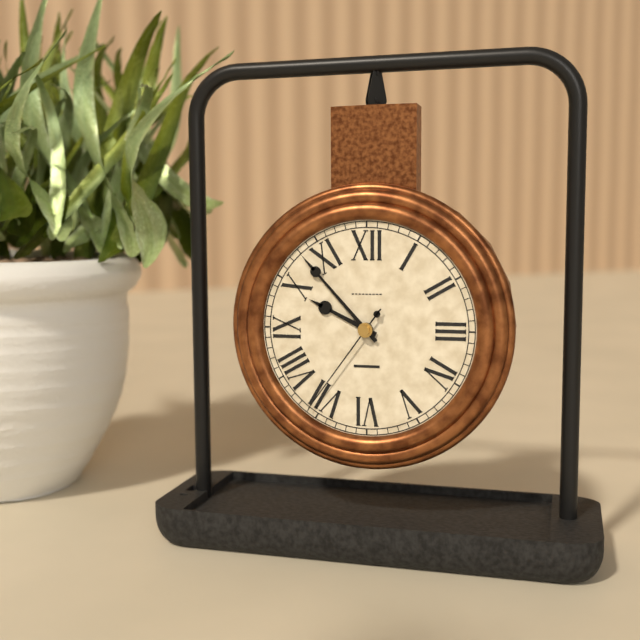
9:53:36
